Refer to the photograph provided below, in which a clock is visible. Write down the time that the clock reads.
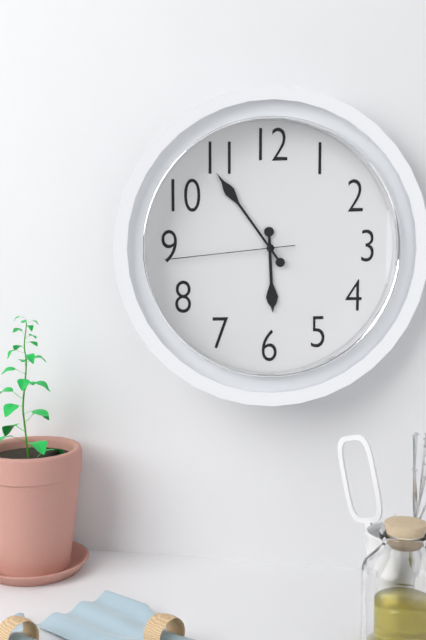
5:54:44
